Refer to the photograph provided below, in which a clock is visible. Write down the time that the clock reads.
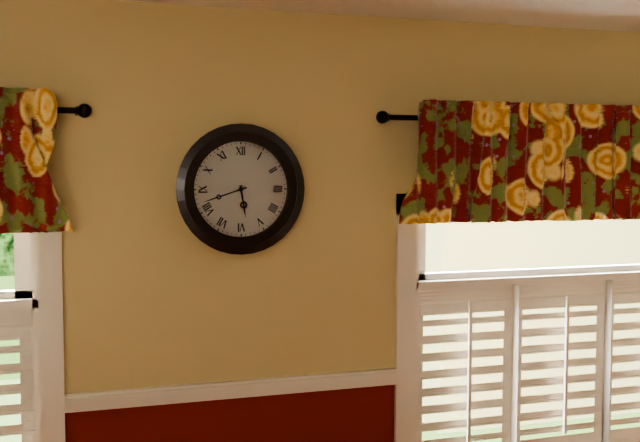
5:42
